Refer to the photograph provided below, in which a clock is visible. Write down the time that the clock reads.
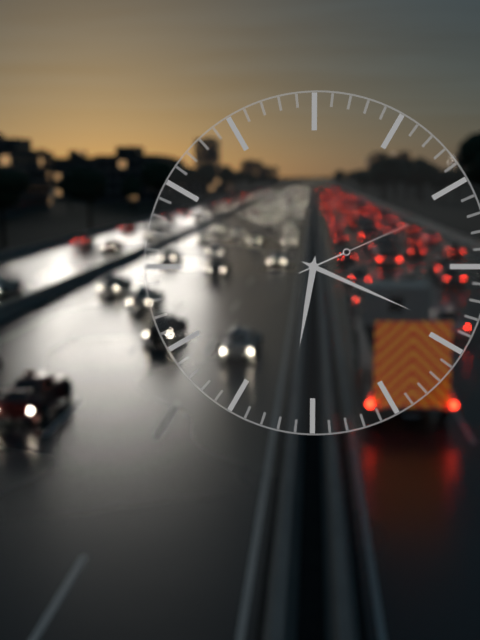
6:19:11
